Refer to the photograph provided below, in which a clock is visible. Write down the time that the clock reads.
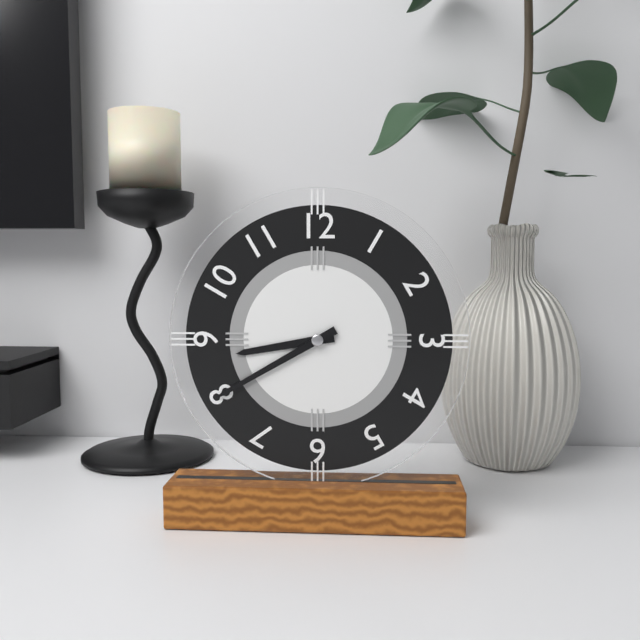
8:40
